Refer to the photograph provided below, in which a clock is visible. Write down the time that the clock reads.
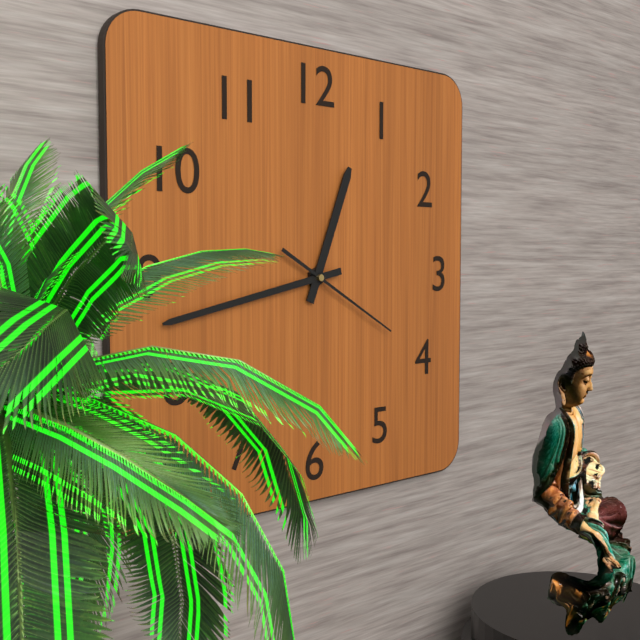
12:43:20
